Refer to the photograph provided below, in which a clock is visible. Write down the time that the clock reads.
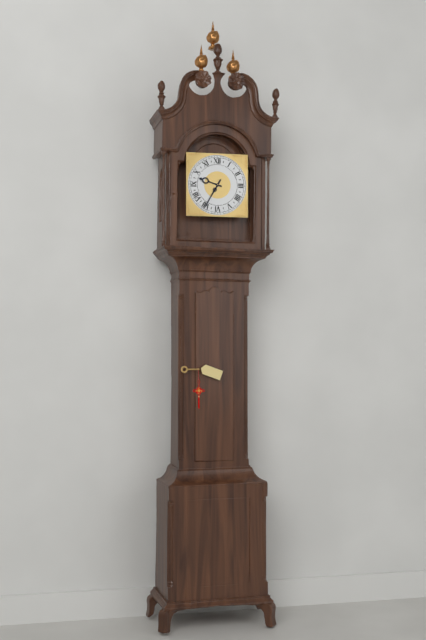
9:35
